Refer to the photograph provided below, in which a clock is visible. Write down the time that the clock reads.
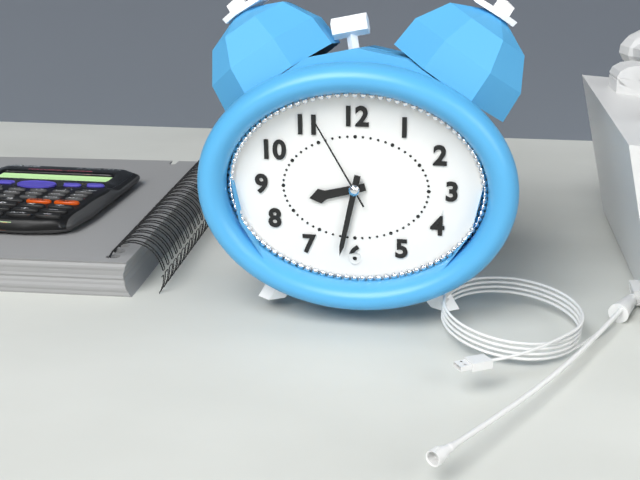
8:32:55
